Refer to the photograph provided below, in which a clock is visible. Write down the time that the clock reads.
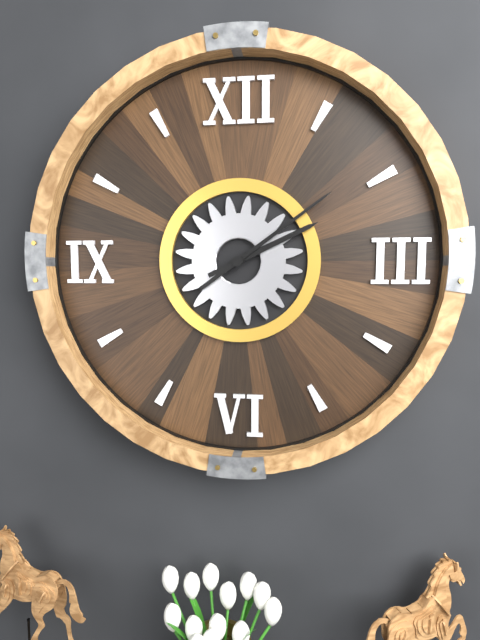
2:09
